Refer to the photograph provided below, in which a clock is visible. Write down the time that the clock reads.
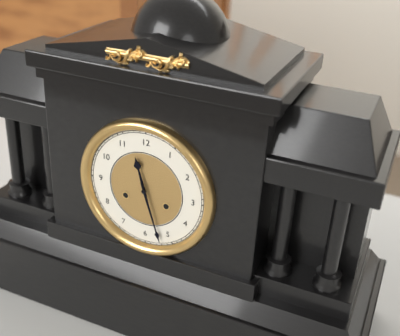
11:27
